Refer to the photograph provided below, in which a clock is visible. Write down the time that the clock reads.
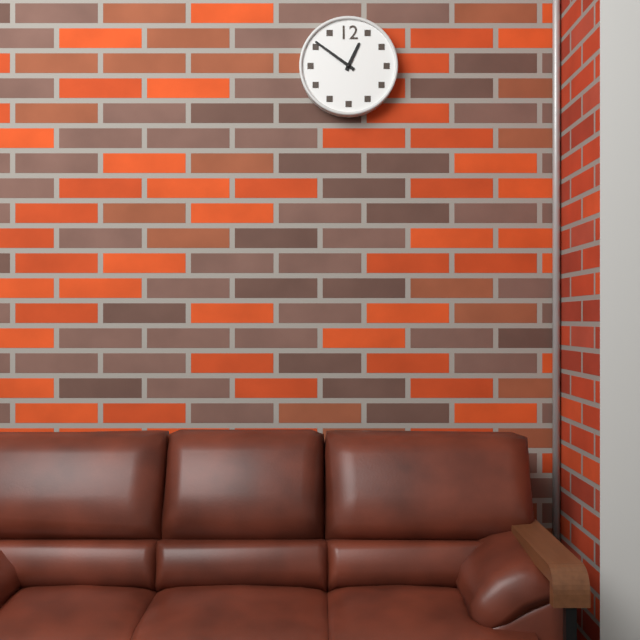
12:51
